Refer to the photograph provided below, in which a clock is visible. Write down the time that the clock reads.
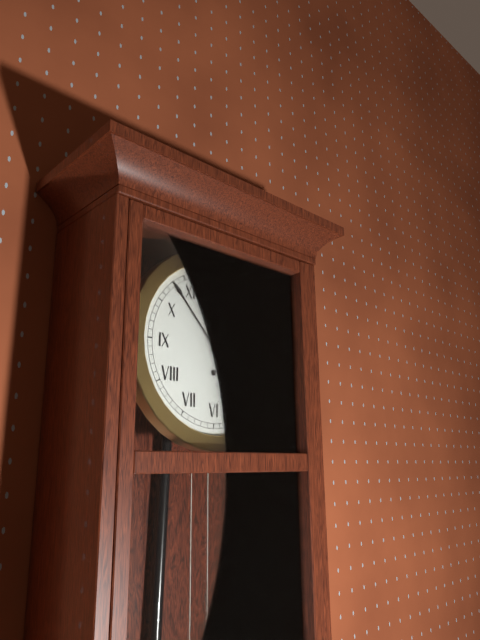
4:53
